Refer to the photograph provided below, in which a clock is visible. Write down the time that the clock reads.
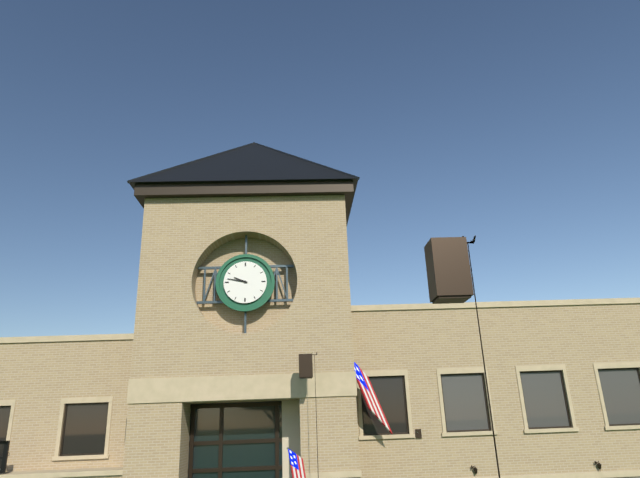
9:47
